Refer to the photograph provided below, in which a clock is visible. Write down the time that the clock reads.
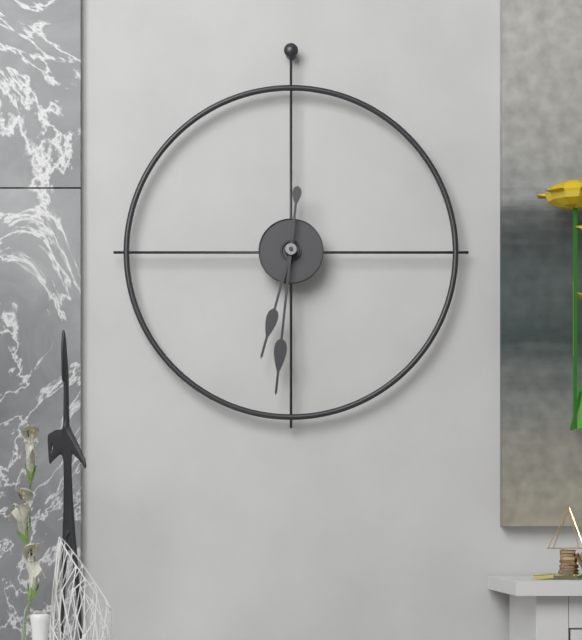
6:31
